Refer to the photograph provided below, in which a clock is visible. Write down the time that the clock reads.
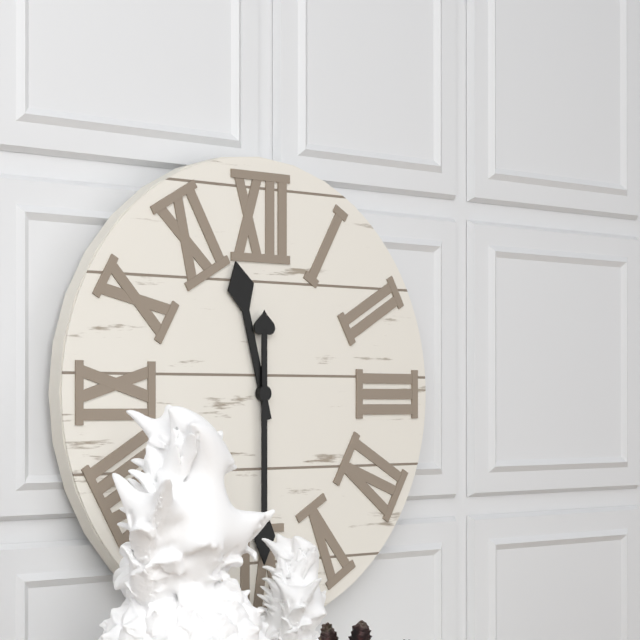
11:30
